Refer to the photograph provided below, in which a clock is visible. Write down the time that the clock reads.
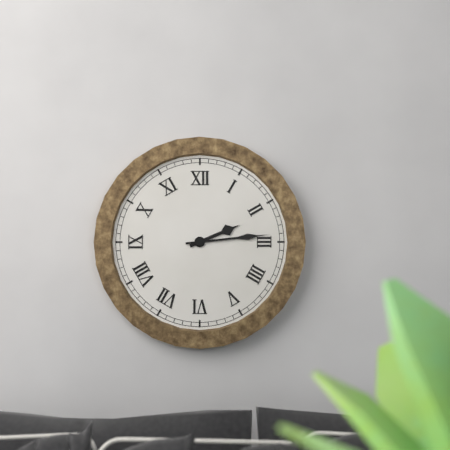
2:14
